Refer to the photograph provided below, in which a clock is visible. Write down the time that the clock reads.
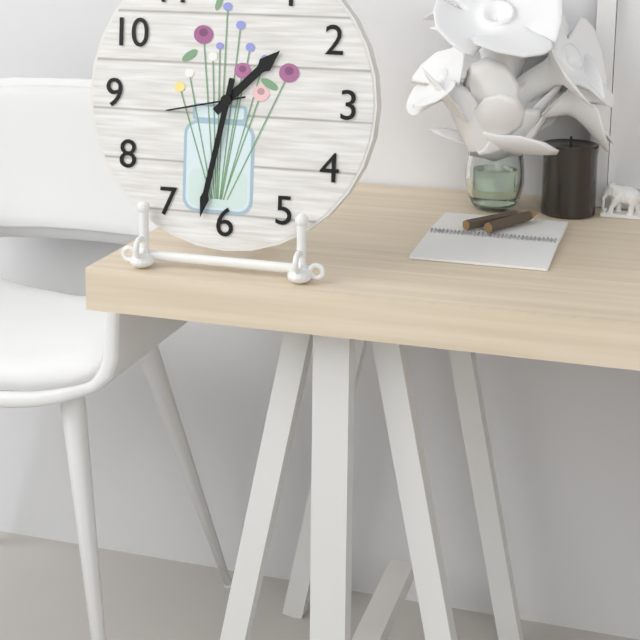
1:32:43
